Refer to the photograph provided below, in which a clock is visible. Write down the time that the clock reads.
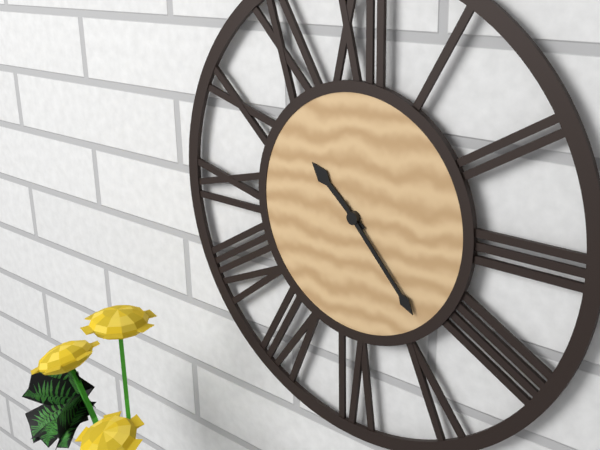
10:23
